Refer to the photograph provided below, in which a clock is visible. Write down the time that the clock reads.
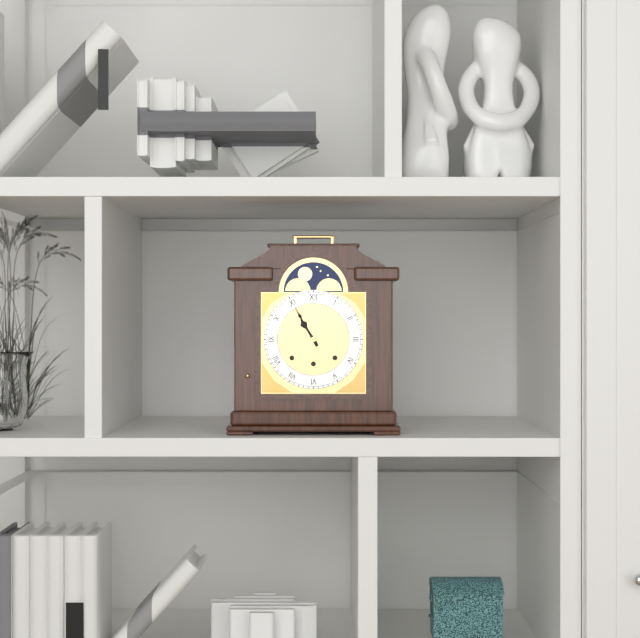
10:55
